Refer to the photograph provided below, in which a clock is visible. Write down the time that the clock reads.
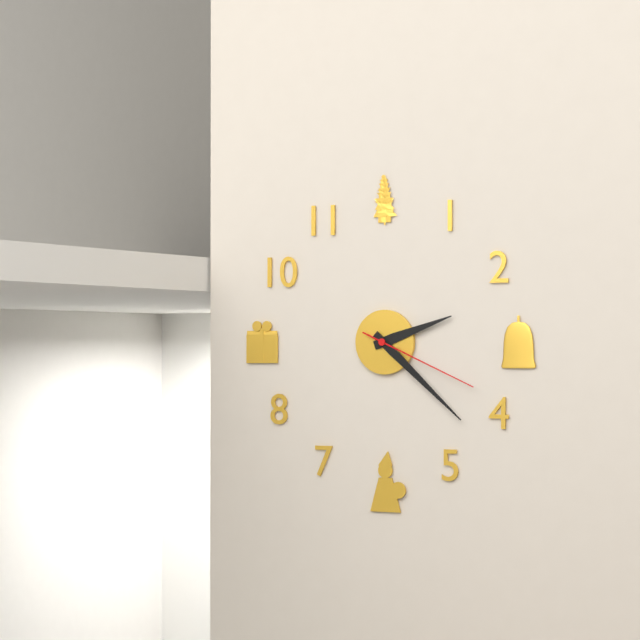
2:22:19
